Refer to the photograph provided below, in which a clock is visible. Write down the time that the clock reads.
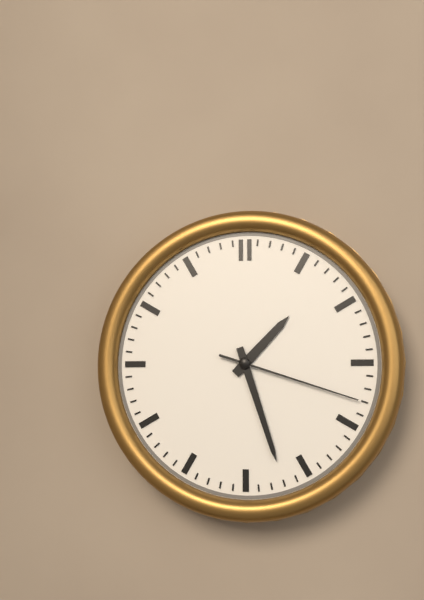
1:27:18
